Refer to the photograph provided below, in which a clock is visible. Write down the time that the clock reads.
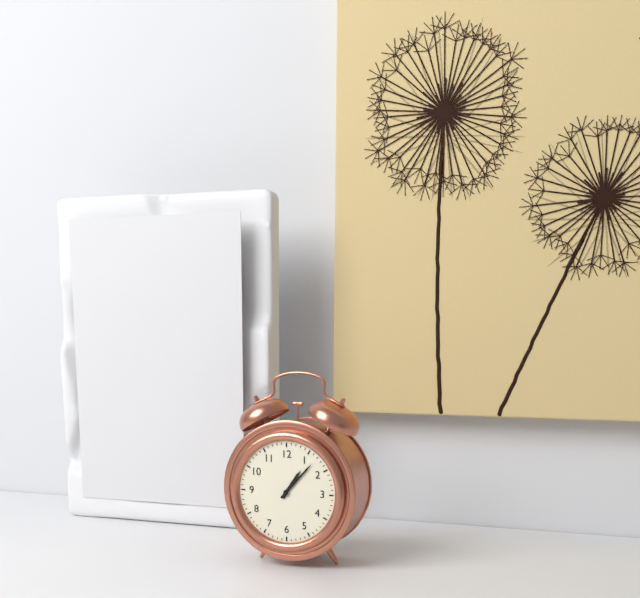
1:07
